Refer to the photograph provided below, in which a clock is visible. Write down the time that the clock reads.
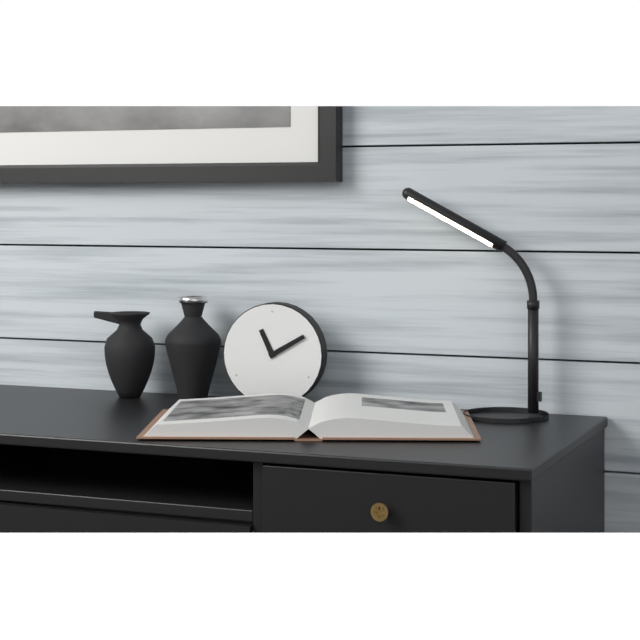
11:10
